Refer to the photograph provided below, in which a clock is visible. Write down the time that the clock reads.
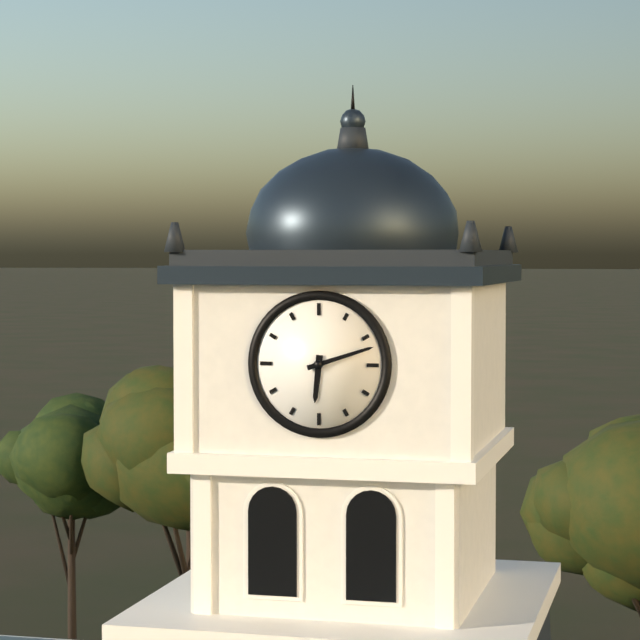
6:12
